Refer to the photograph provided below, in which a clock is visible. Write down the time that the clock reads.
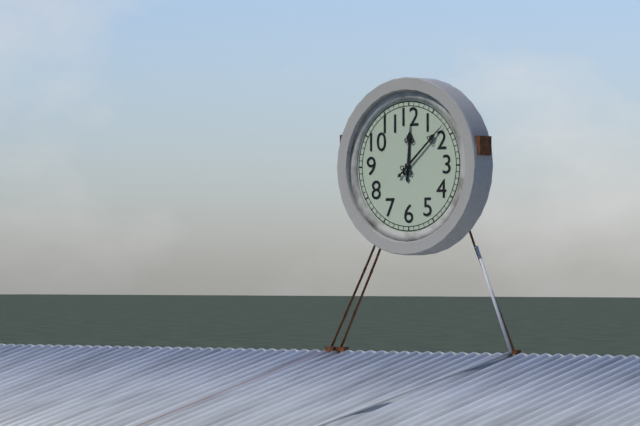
12:08
